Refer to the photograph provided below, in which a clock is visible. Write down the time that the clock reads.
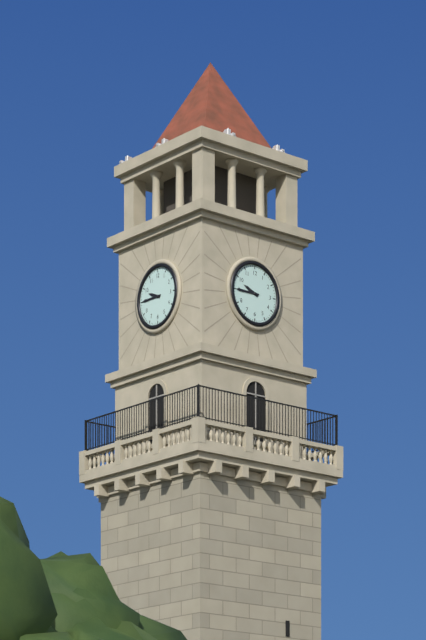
9:45
